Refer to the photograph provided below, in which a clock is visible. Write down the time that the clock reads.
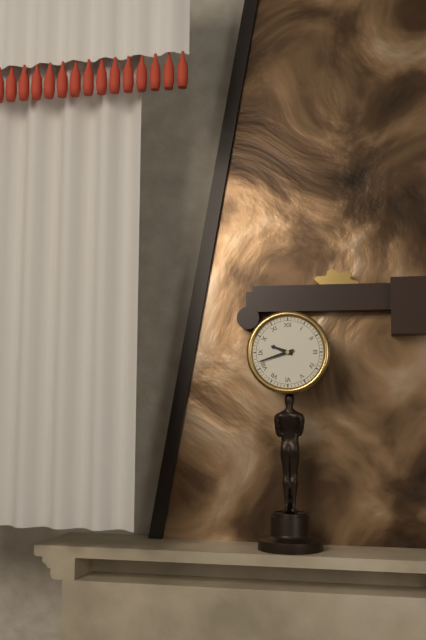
9:42
